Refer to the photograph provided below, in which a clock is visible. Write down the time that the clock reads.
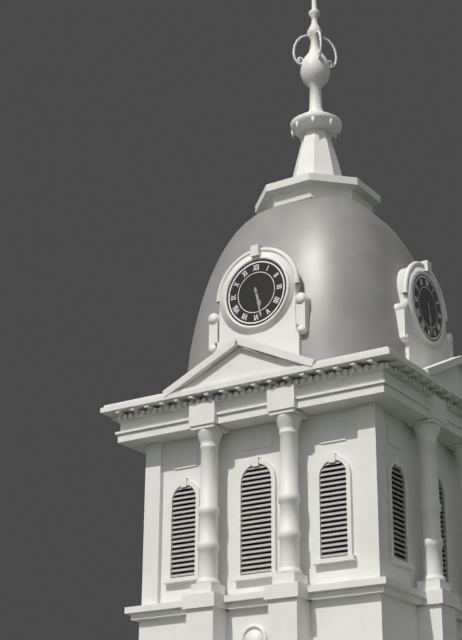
5:28
